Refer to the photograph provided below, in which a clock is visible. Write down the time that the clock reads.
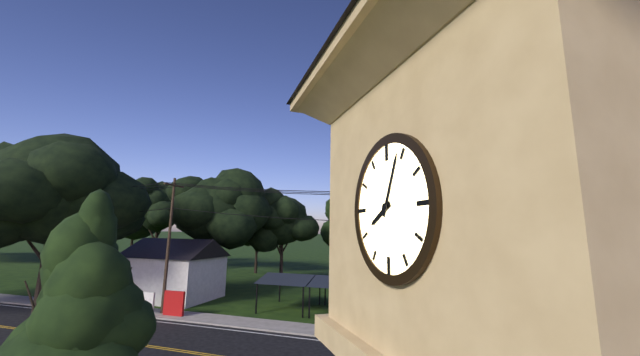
8:04
